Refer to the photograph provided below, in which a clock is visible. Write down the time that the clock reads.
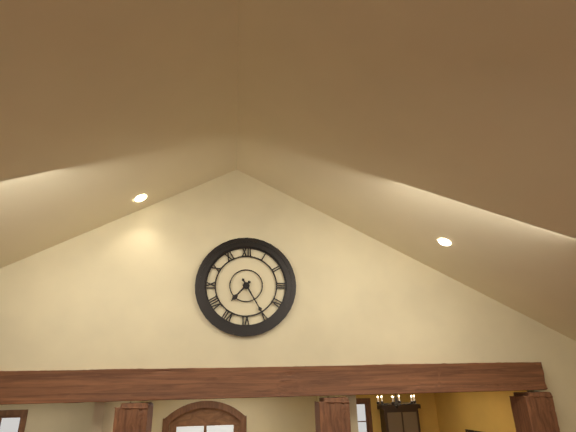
7:25
